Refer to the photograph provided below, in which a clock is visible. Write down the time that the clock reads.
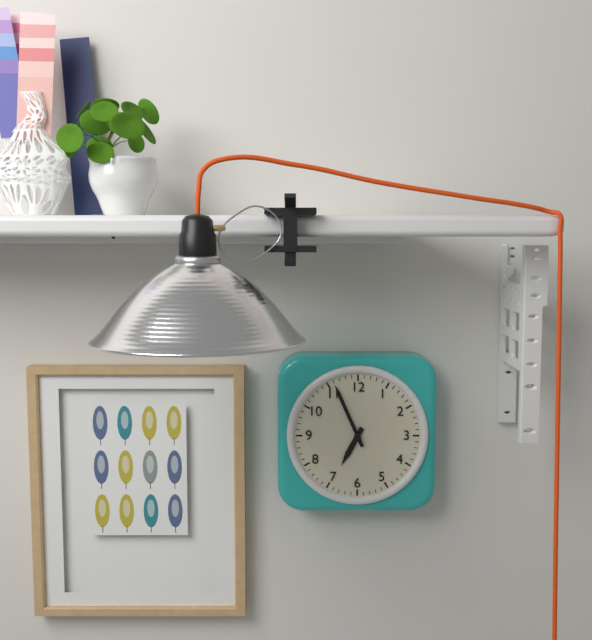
6:56
